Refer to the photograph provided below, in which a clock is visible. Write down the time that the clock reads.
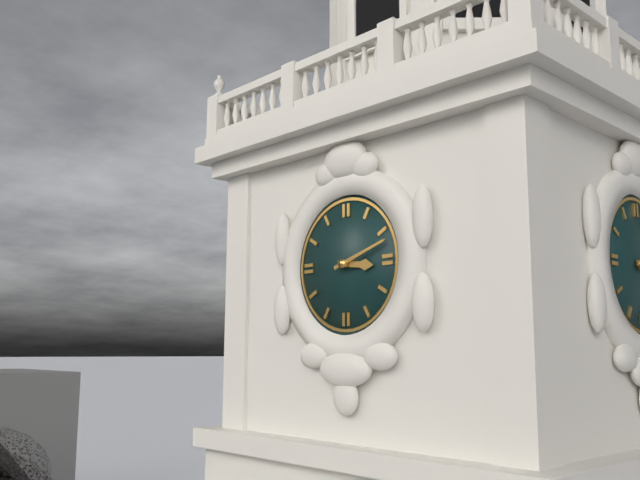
3:12
